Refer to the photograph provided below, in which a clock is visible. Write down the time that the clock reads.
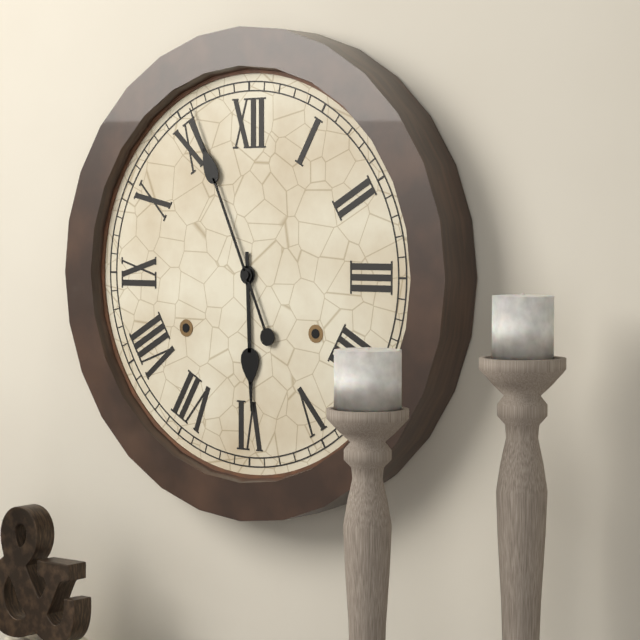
5:56
